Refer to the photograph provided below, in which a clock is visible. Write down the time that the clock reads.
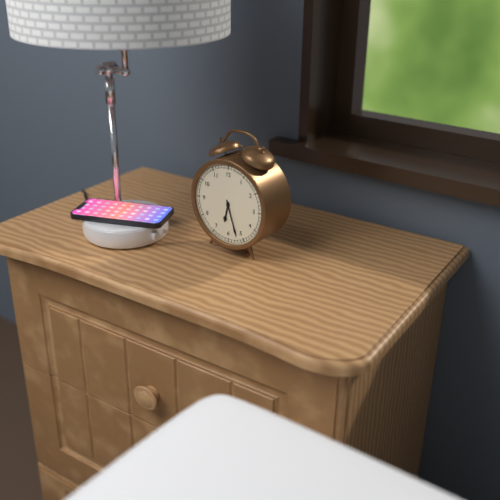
6:27
